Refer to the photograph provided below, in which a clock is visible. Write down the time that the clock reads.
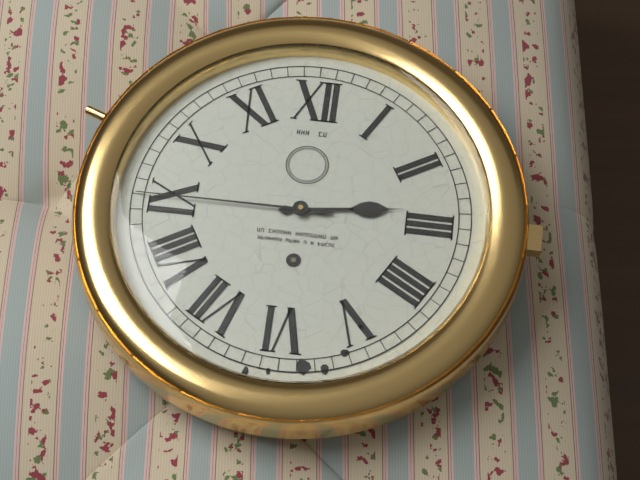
2:45
